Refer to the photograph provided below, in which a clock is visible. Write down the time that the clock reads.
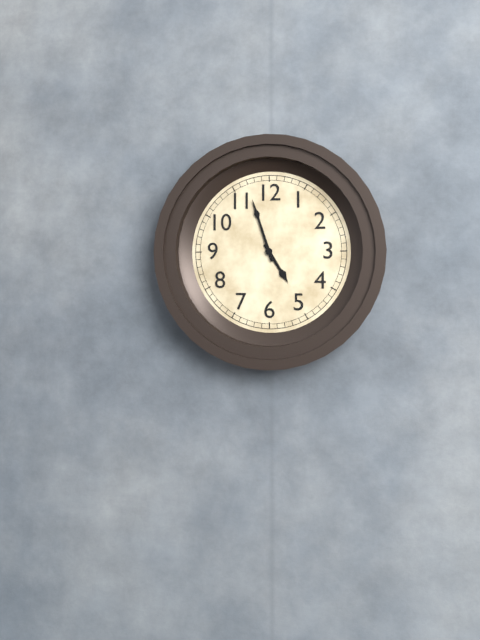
4:57
